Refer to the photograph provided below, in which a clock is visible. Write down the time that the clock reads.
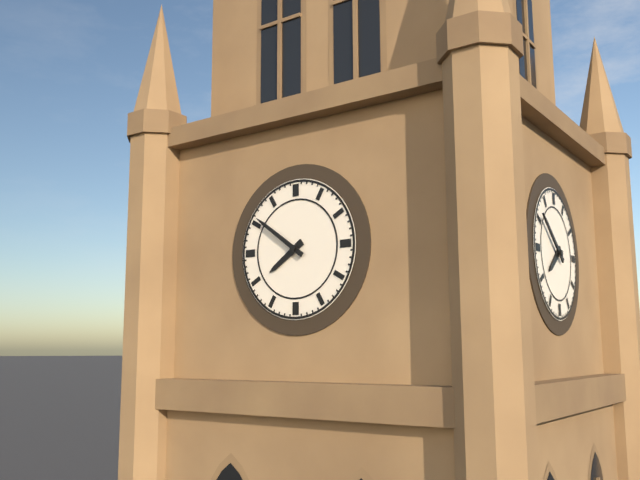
7:51
